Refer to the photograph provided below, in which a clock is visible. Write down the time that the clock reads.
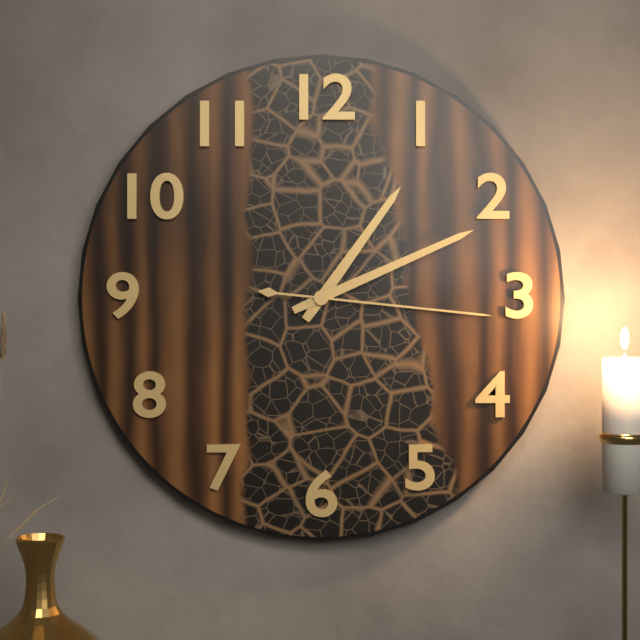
1:11:16
